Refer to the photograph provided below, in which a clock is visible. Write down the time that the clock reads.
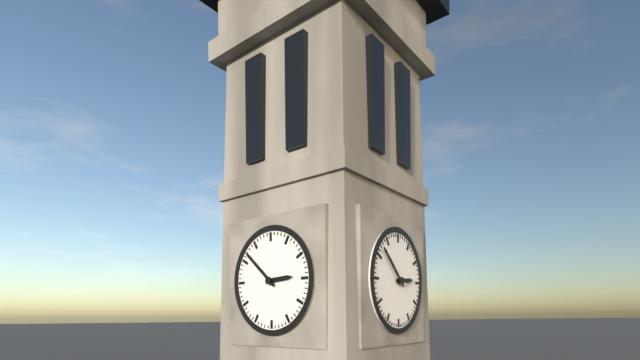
2:52
